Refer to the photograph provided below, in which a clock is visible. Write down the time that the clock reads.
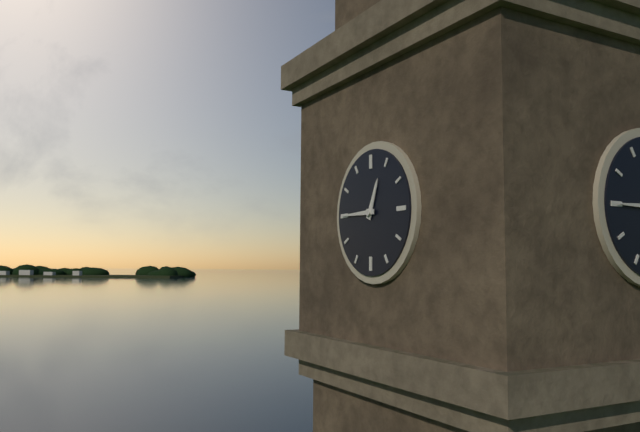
12:45
